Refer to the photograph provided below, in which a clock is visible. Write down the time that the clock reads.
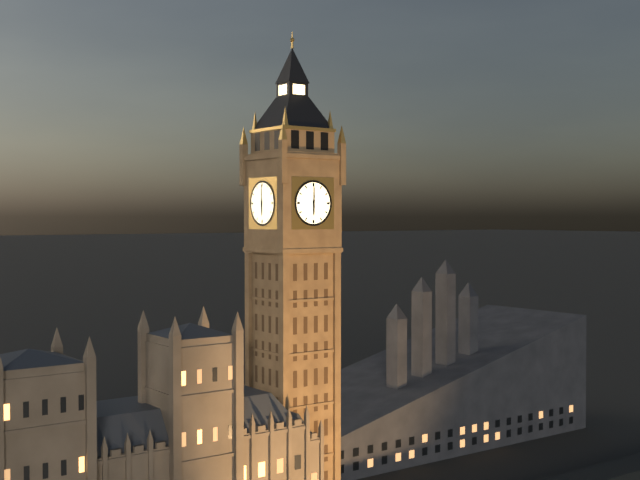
6:00
